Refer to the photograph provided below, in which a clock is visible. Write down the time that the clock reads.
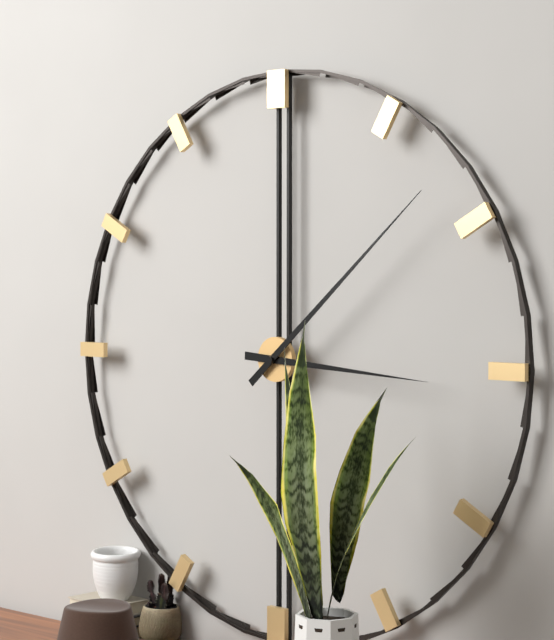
3:08
